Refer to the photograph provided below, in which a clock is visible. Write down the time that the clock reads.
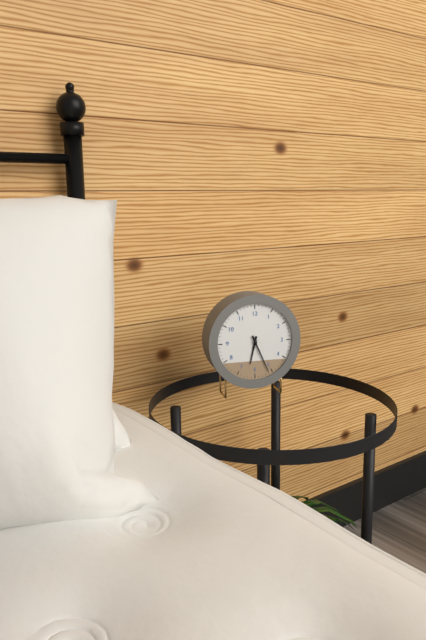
6:26
